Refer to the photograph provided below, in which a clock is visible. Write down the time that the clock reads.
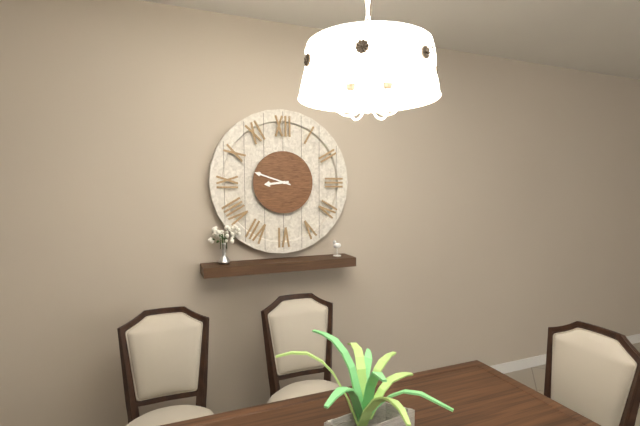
8:48
